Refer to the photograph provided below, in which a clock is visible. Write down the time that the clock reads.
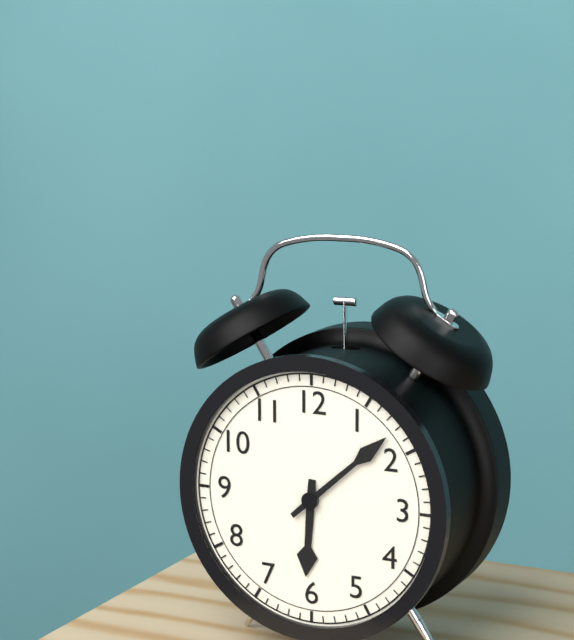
6:08
